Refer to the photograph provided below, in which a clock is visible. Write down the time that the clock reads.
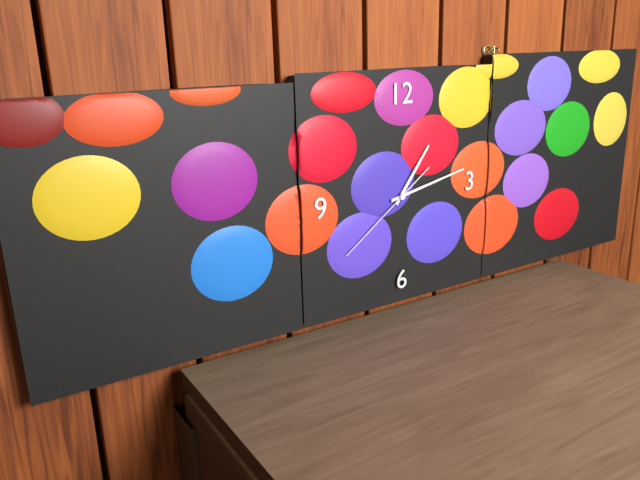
1:13:39
